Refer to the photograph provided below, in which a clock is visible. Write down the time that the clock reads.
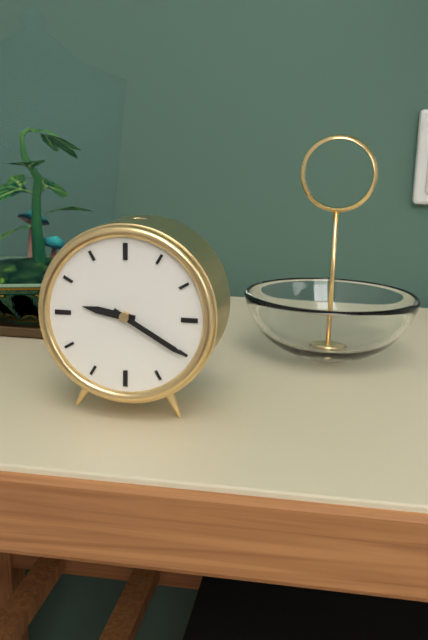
9:20
